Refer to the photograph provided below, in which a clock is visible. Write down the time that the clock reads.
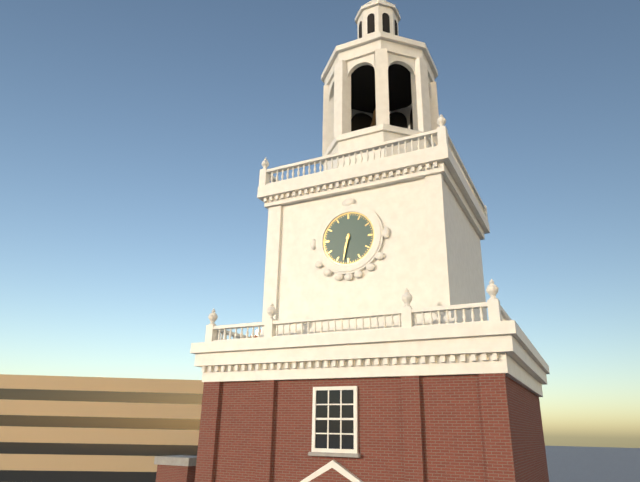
6:32
